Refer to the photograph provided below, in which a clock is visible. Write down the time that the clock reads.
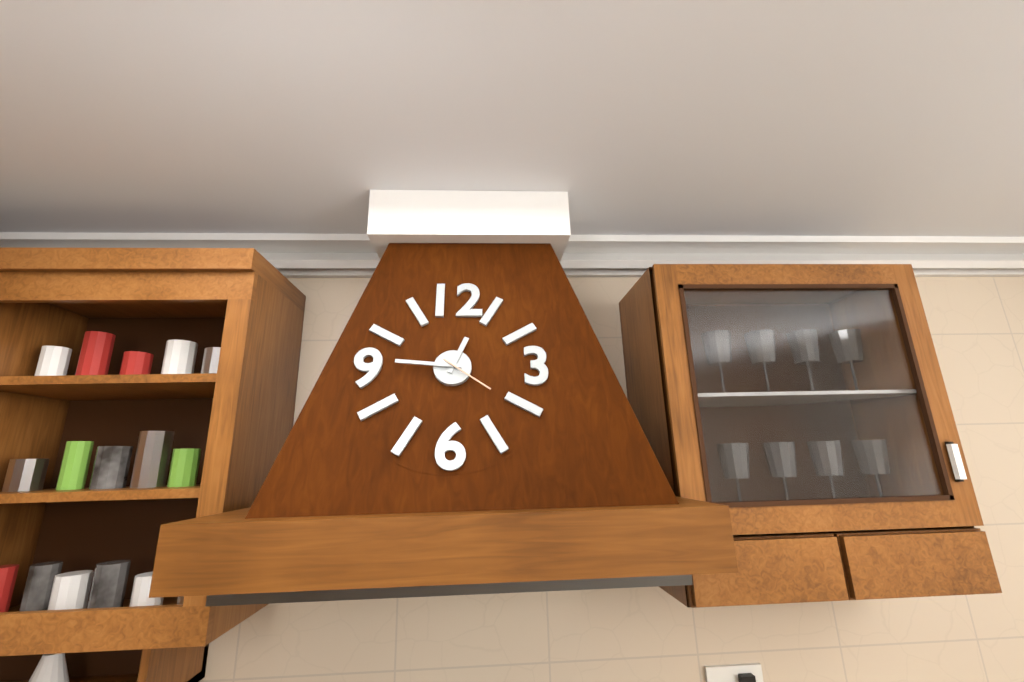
12:46:21
